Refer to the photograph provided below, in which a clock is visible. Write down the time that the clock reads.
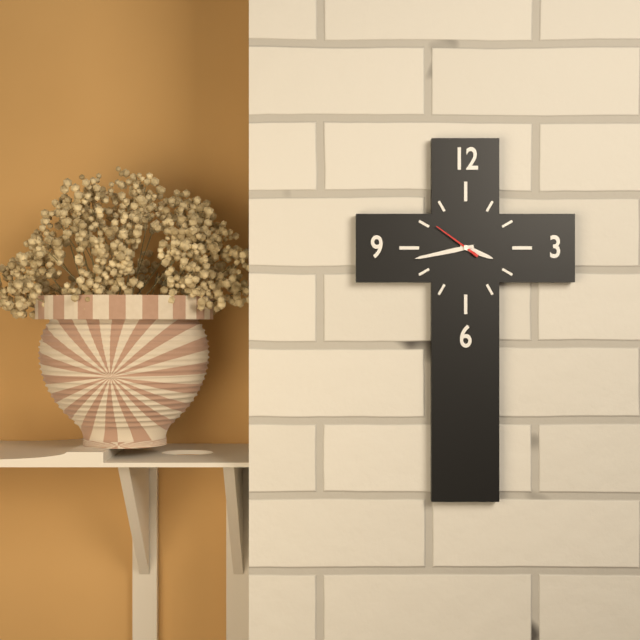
3:43
